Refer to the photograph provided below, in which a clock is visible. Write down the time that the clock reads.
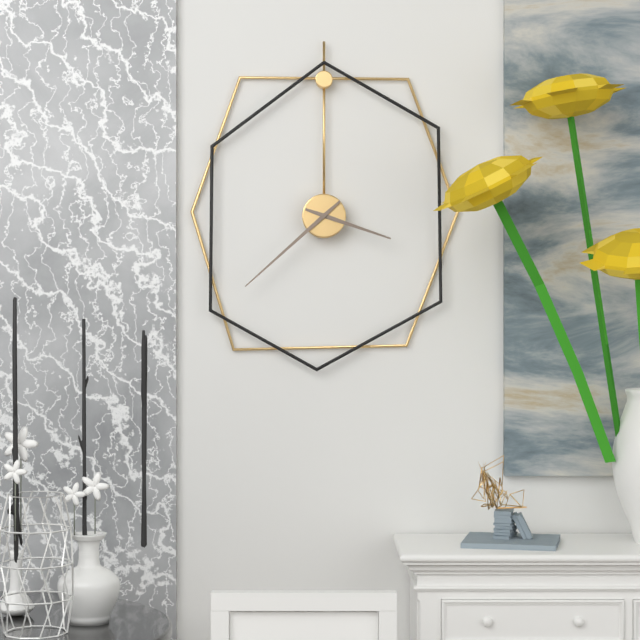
3:38
